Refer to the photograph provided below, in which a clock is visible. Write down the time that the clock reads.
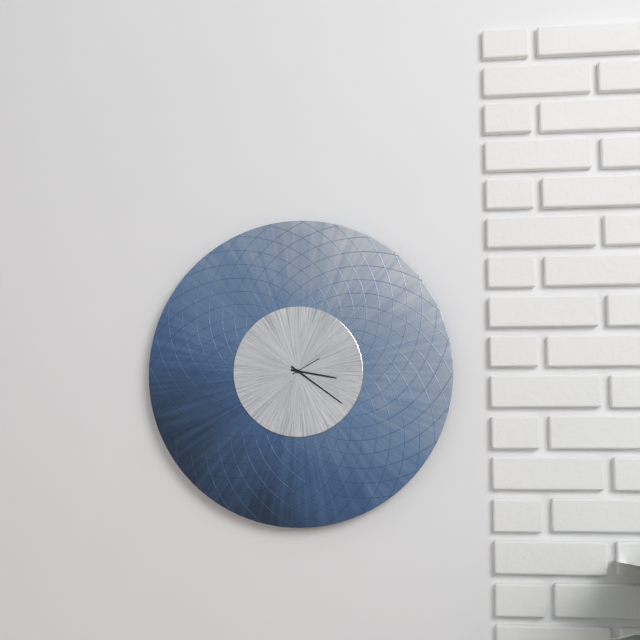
3:21
